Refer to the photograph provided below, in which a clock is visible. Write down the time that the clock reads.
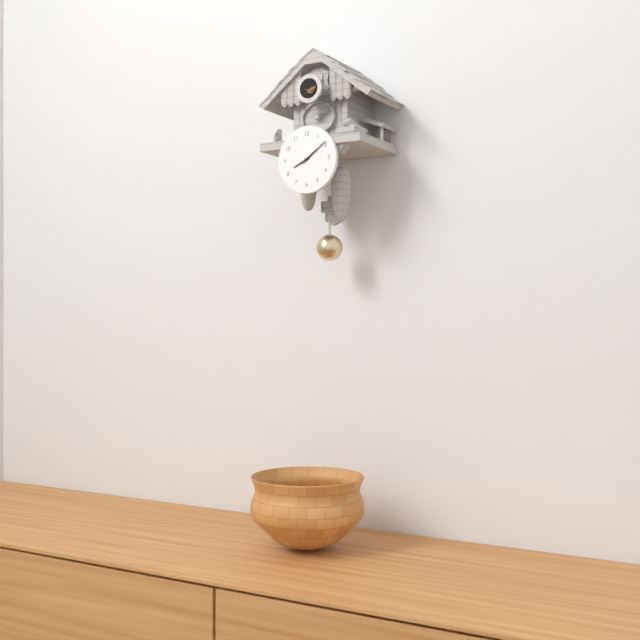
8:09
